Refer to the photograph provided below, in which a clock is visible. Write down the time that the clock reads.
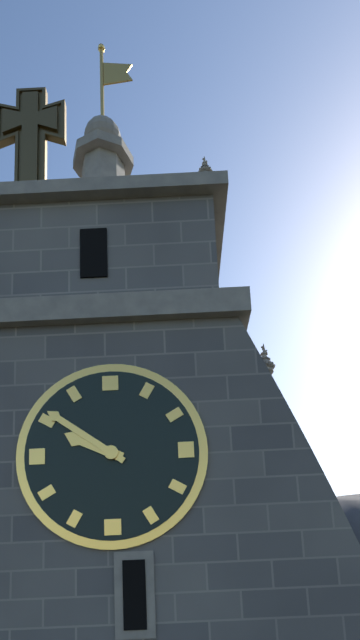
9:51
